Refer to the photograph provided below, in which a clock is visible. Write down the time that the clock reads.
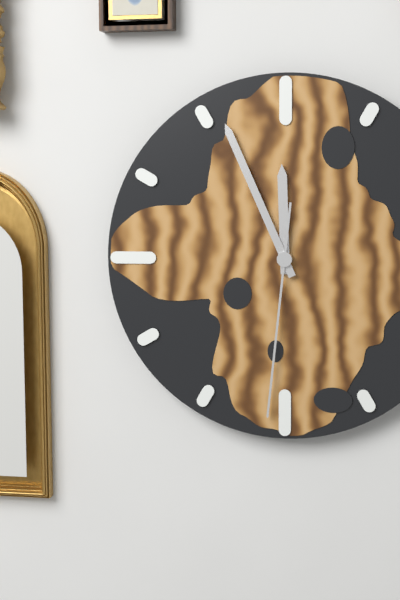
11:56:31
